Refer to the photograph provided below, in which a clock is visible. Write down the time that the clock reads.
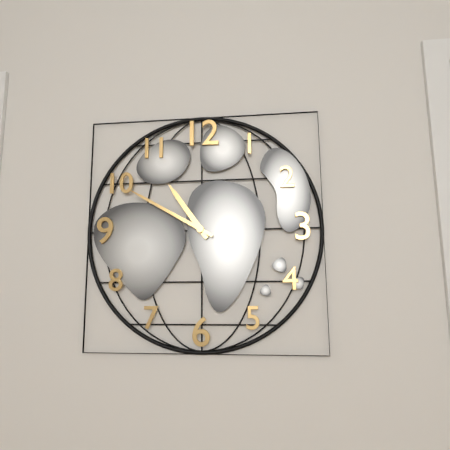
10:50
